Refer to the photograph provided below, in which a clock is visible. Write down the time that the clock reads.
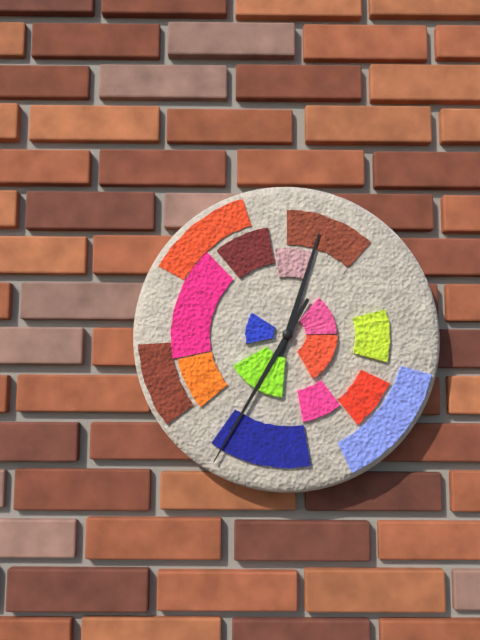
12:35
